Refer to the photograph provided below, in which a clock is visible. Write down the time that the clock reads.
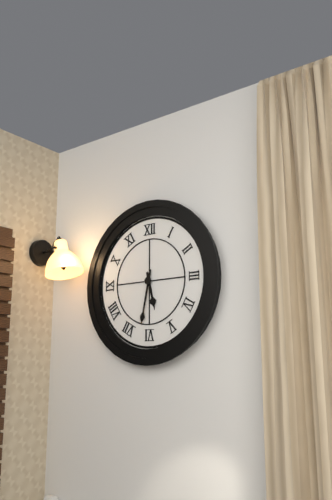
5:32
